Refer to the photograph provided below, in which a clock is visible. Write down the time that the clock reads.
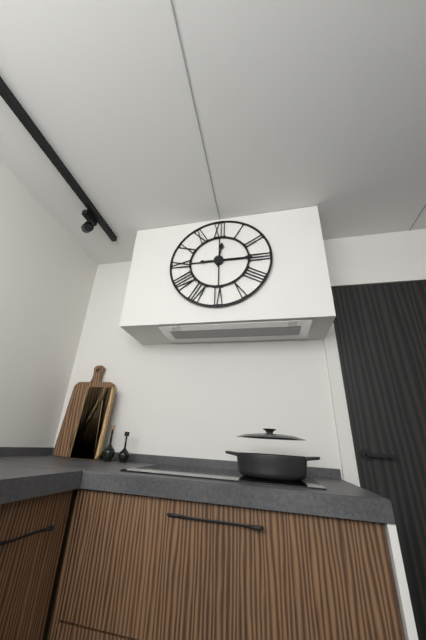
12:15
